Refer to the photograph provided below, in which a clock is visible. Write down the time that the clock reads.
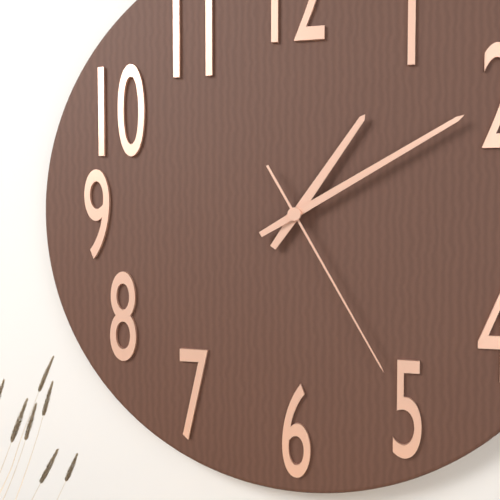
1:10:25
